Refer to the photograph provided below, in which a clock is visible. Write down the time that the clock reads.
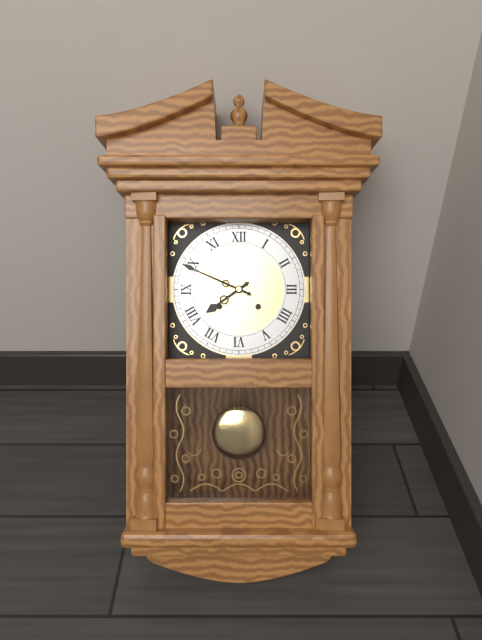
7:49
